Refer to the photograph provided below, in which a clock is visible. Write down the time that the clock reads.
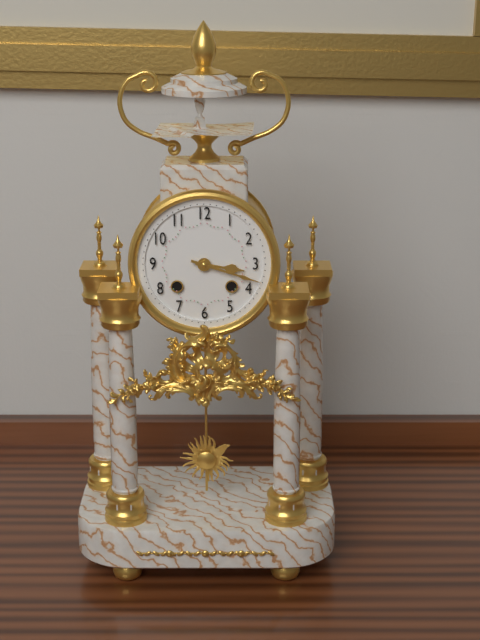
3:18
